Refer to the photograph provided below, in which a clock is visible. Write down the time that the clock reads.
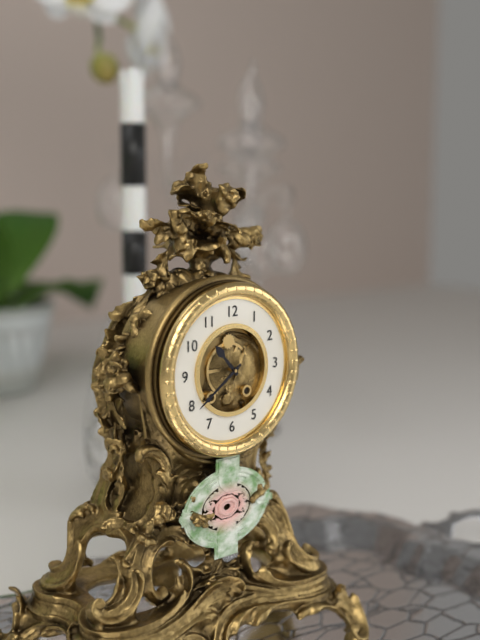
10:39
